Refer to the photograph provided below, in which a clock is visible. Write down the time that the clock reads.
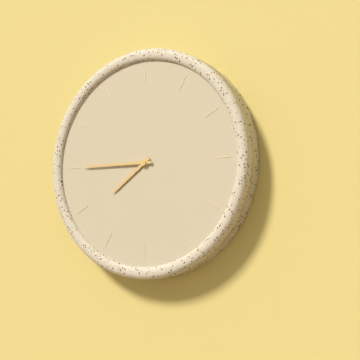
7:45
